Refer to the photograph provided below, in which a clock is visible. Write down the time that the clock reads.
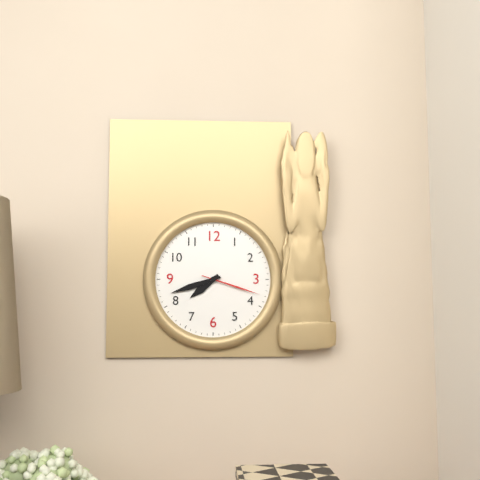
7:42:18
